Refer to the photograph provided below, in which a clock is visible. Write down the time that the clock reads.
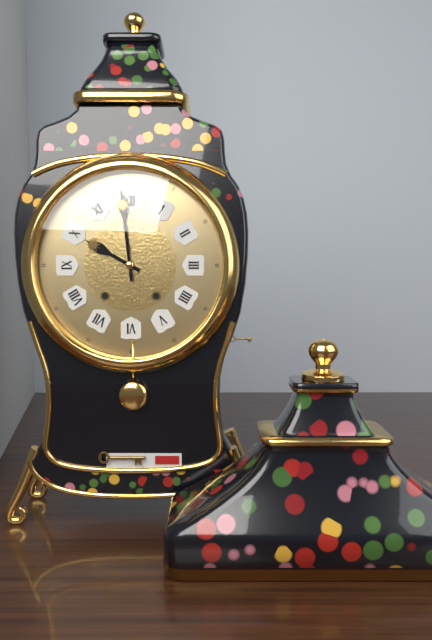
9:59
